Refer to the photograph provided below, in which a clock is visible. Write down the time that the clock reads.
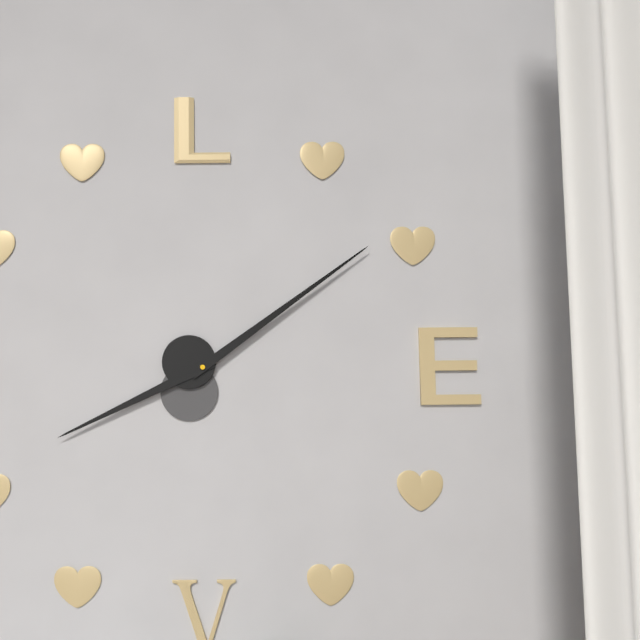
8:09
